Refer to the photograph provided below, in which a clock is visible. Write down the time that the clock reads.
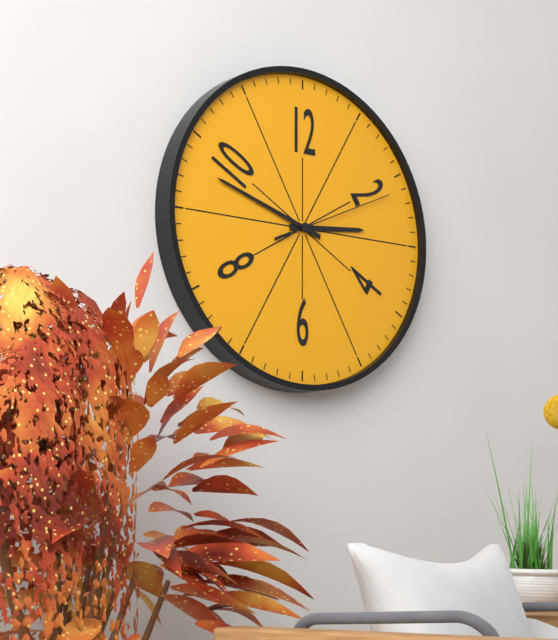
2:48:11
